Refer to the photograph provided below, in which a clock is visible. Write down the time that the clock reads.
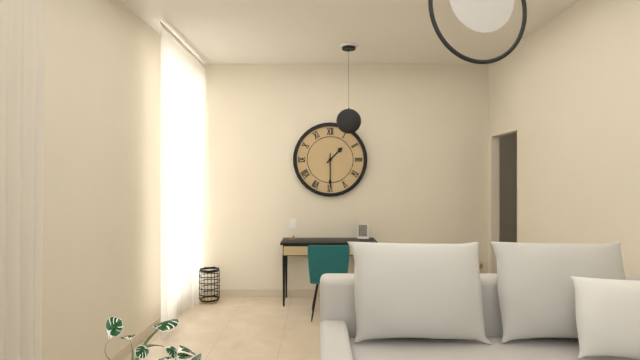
1:30
